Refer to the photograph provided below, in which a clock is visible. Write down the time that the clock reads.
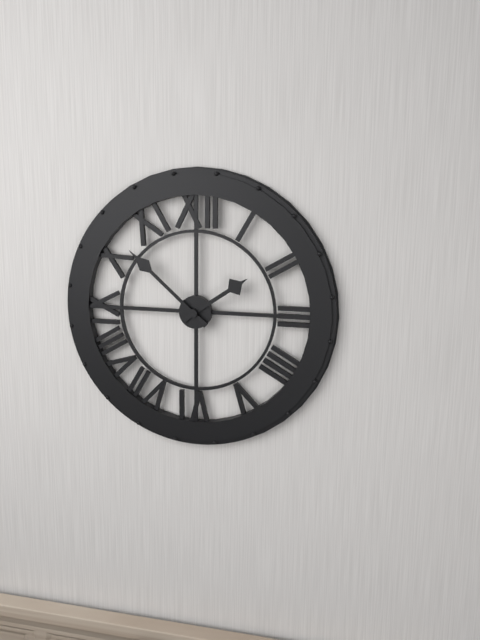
1:52
